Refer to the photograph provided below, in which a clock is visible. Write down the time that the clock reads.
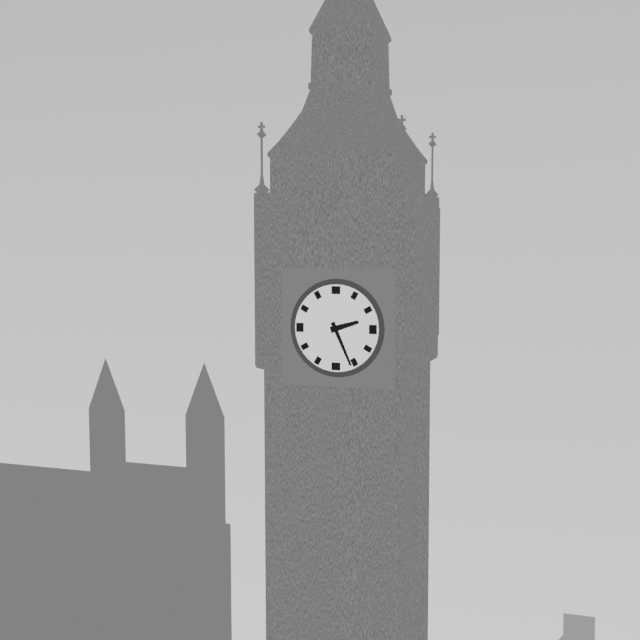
2:26
